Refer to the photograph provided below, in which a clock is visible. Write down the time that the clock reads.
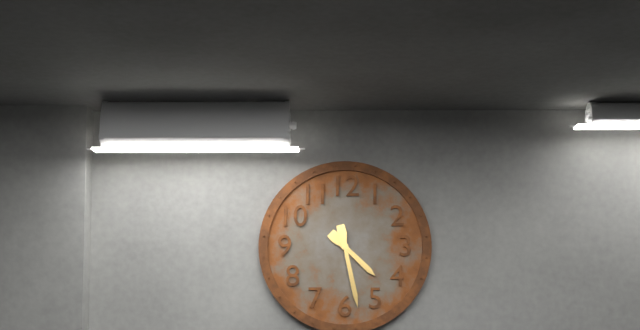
4:28
